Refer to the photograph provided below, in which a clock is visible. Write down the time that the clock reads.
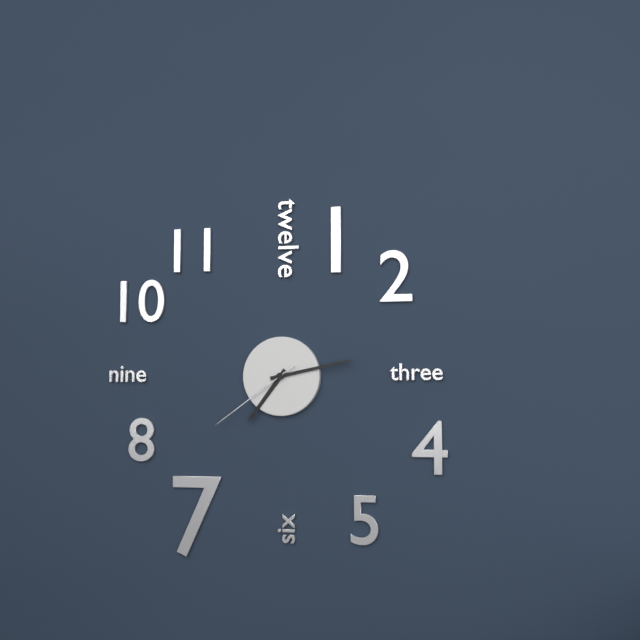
7:13:39
